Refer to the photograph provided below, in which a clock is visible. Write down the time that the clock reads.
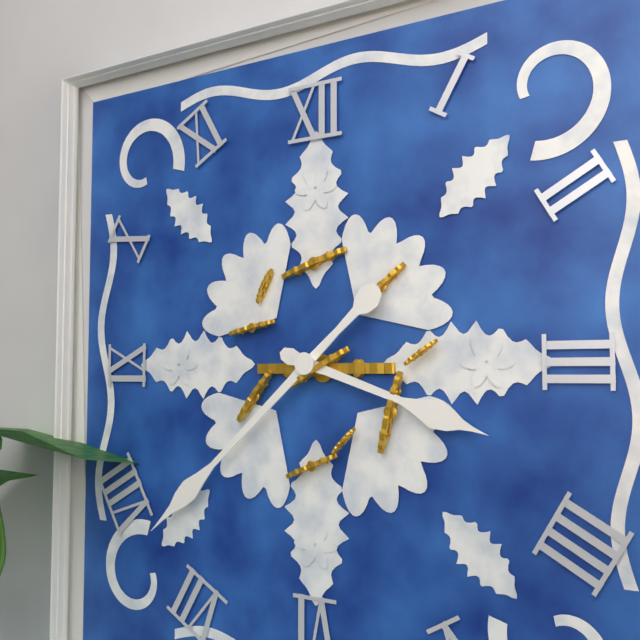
3:38
